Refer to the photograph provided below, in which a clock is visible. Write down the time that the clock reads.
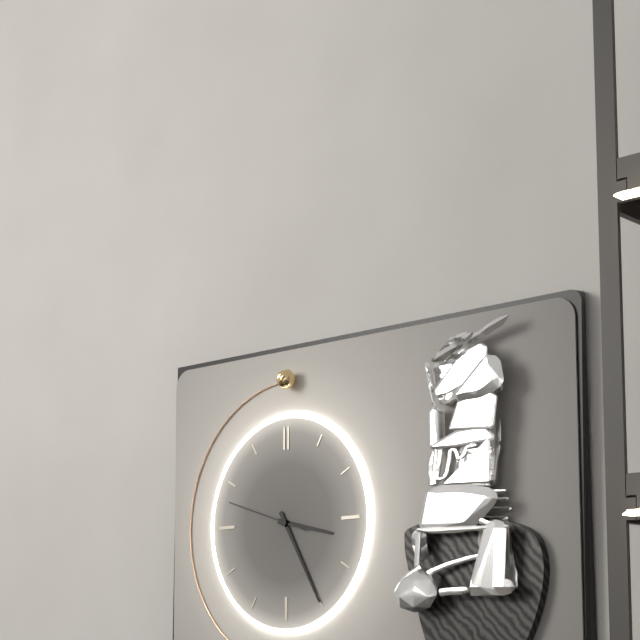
3:25:48
